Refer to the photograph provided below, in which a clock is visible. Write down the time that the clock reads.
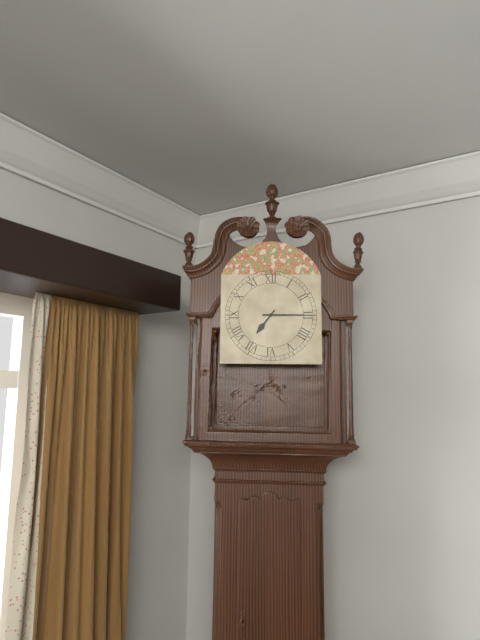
7:15
